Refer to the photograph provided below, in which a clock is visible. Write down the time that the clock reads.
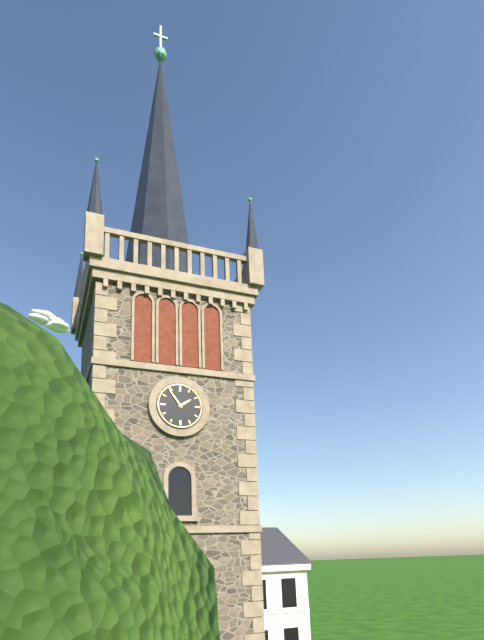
1:54
